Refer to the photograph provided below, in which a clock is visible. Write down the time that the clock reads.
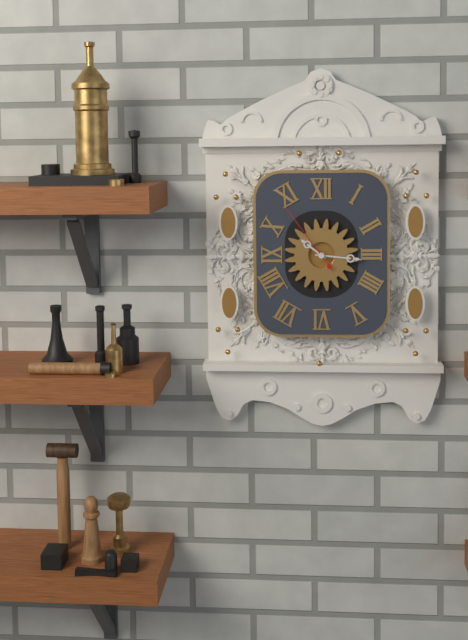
10:16:54
